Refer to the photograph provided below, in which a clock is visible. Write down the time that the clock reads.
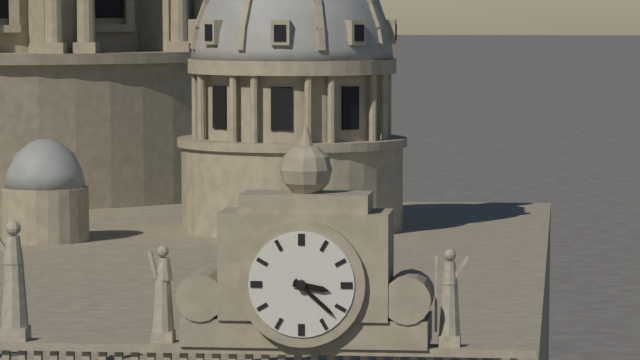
3:22
